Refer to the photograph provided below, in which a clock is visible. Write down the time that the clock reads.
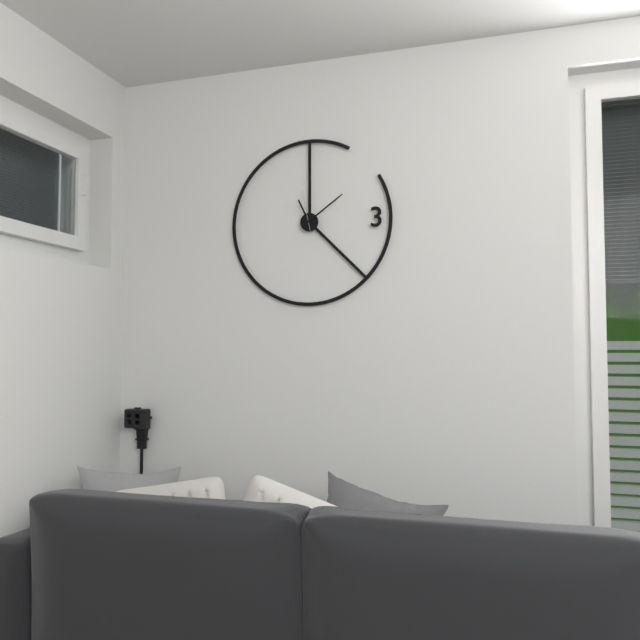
11:09
